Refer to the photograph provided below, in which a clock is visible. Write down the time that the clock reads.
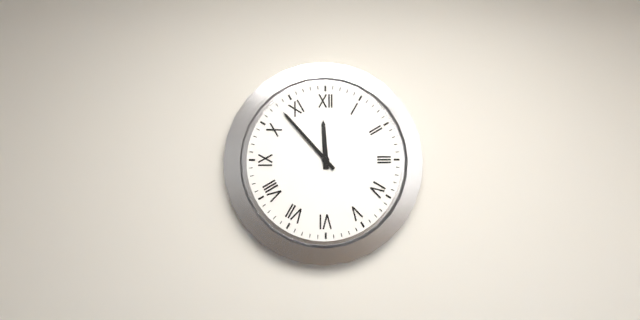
11:53
